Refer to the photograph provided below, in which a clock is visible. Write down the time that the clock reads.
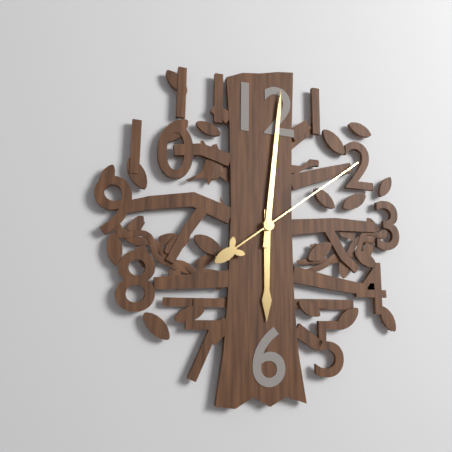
6:01:09
